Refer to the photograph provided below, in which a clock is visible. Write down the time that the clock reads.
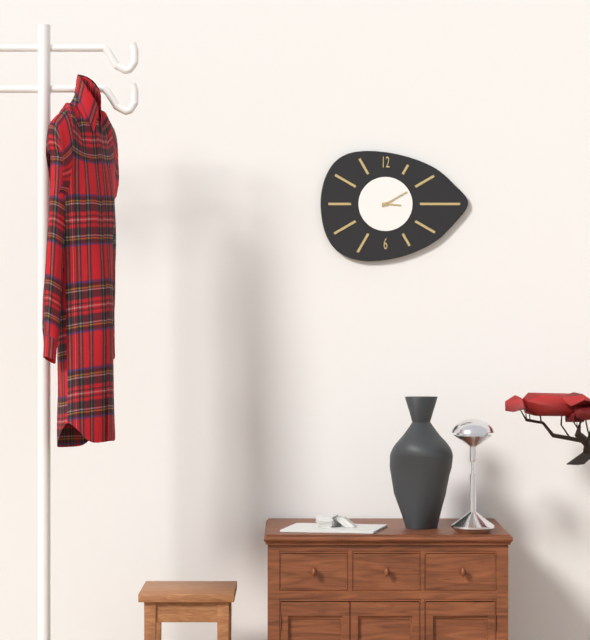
3:10
